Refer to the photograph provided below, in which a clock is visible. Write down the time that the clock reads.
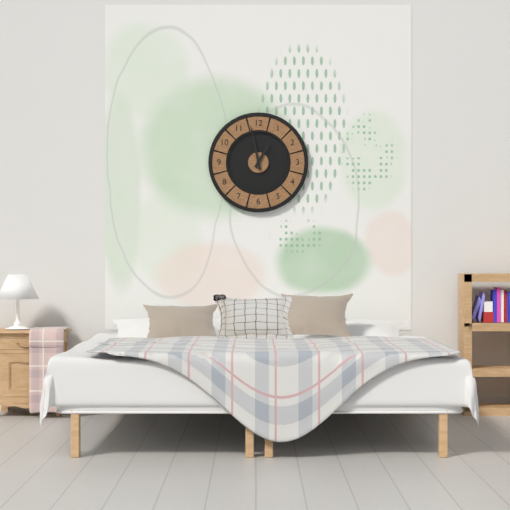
12:58
